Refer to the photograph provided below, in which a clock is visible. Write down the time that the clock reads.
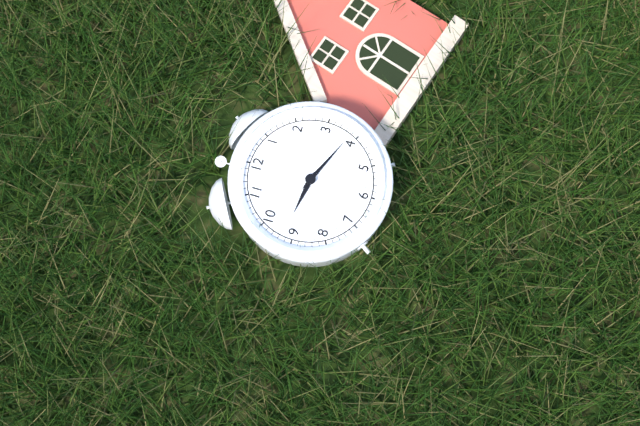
9:19
